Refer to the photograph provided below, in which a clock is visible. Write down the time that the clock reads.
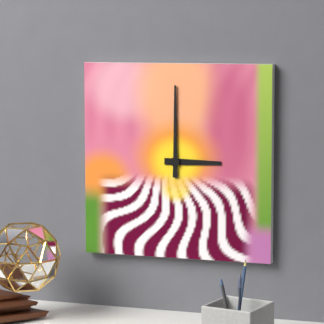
3:00
